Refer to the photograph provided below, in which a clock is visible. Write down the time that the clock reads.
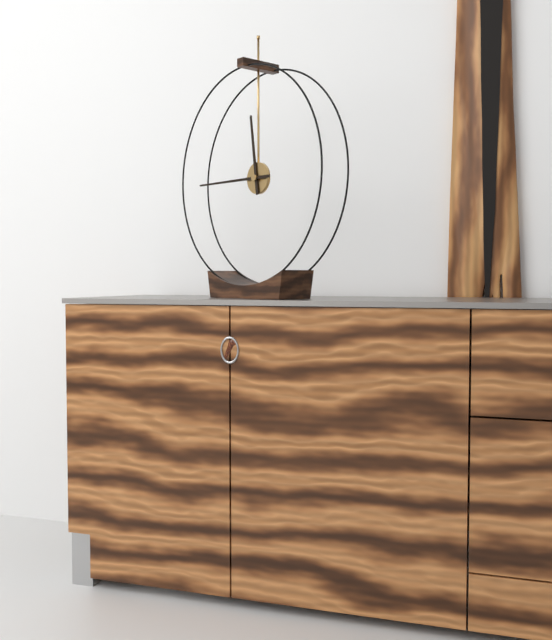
11:45
